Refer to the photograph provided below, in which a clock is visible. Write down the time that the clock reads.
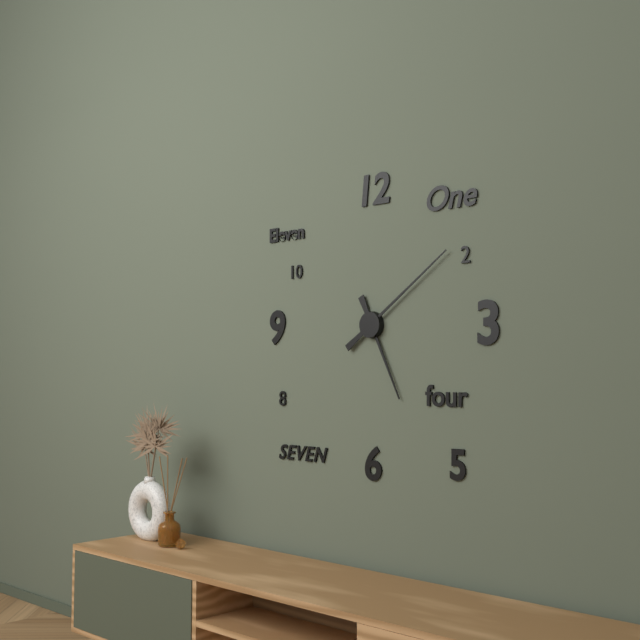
5:09
